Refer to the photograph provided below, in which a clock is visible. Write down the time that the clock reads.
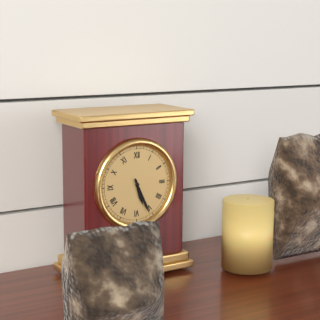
5:26
